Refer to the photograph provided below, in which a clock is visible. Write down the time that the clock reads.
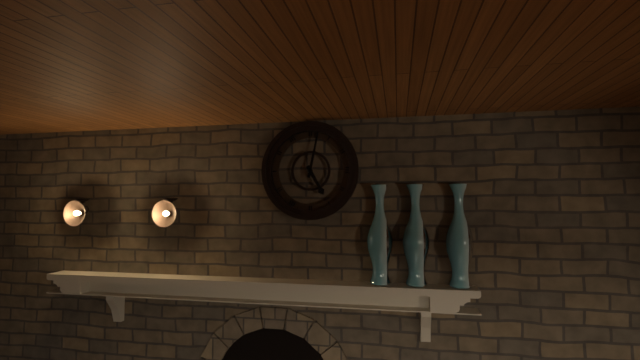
5:02
